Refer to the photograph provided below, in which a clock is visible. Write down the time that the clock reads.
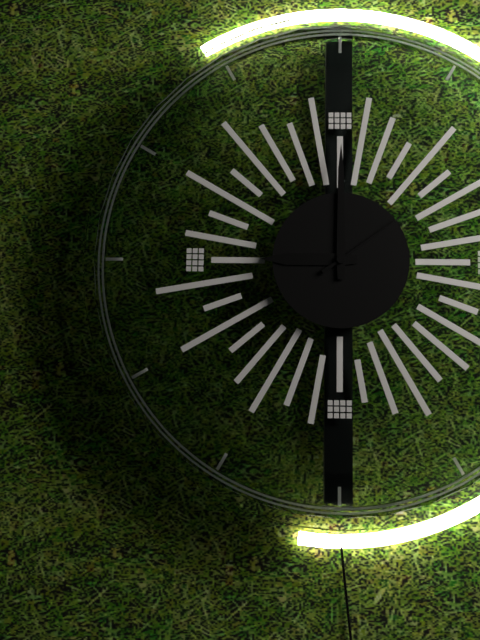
9:00:09
